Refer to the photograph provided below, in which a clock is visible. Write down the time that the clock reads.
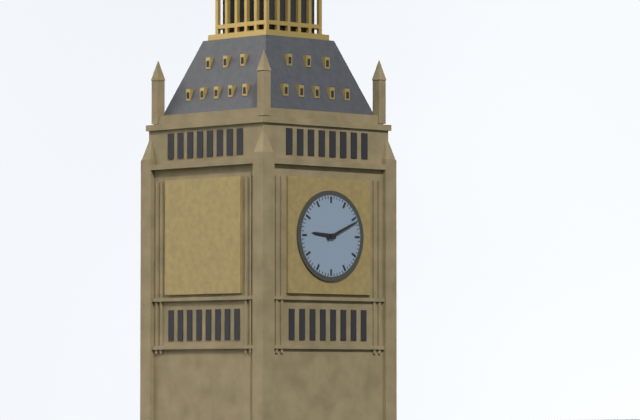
9:11
